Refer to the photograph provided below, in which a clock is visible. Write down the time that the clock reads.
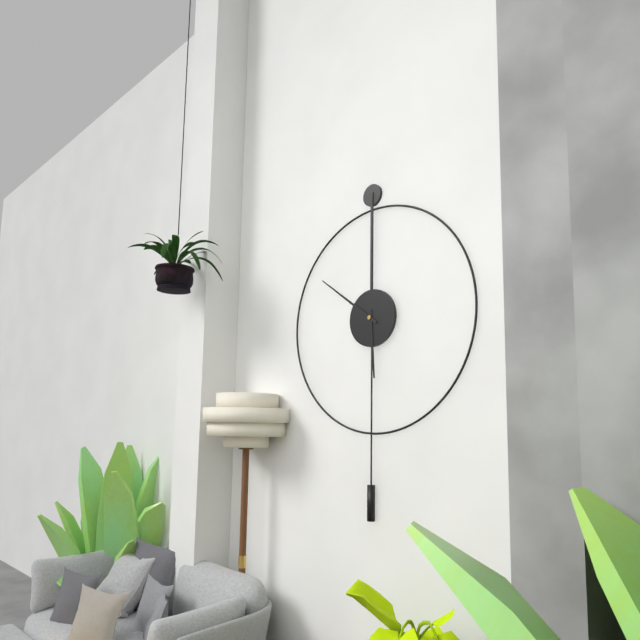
5:51
